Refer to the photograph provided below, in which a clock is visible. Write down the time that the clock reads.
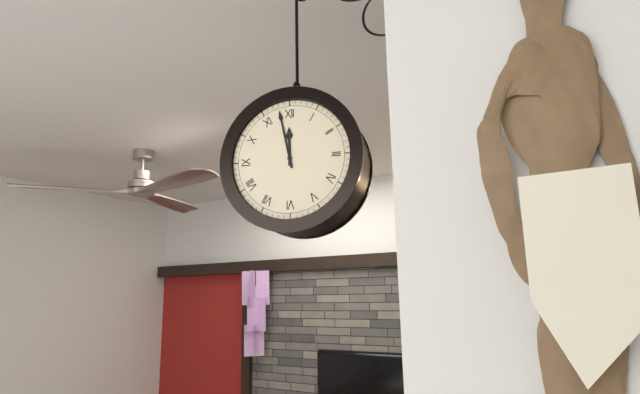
11:58
